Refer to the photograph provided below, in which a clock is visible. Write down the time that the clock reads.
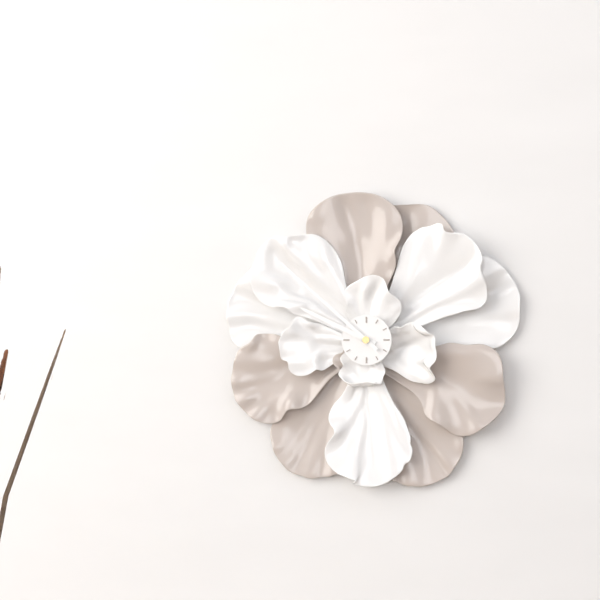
9:52
